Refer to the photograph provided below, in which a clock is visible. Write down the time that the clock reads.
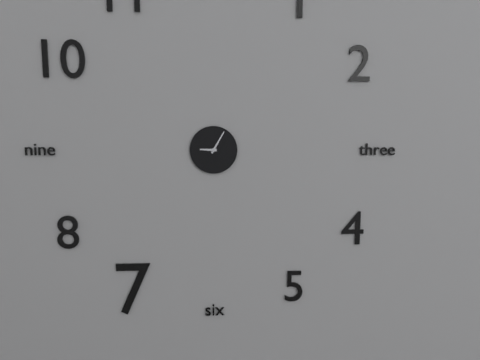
9:05
